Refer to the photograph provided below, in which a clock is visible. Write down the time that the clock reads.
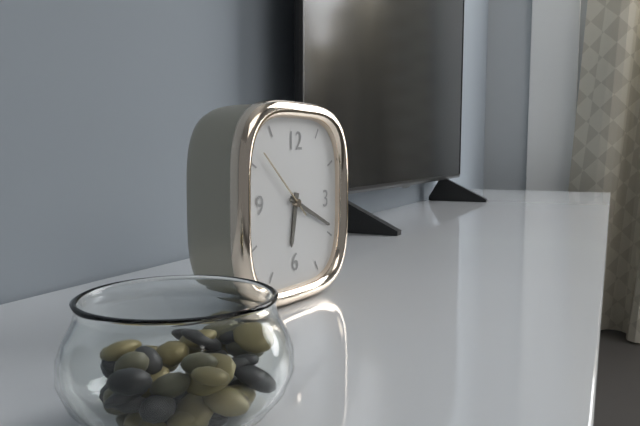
6:19:52
